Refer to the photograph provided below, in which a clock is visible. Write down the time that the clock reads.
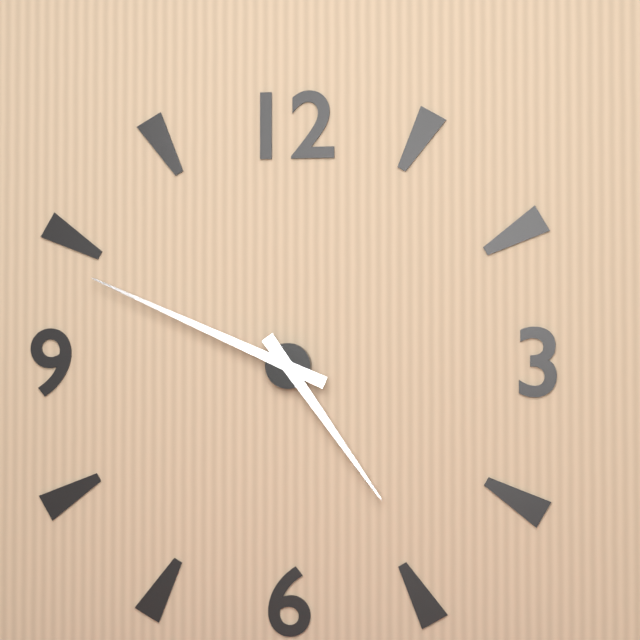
4:49
